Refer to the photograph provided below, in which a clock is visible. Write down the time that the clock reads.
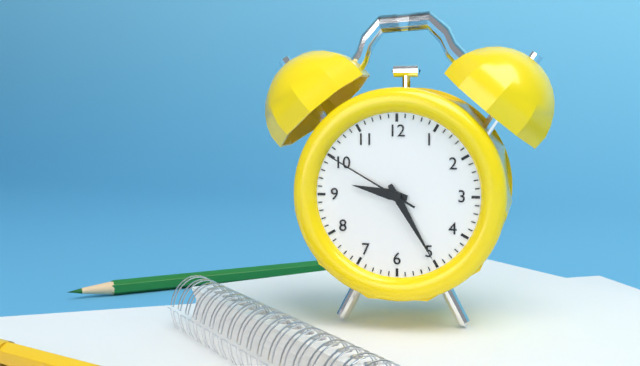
9:25:50
